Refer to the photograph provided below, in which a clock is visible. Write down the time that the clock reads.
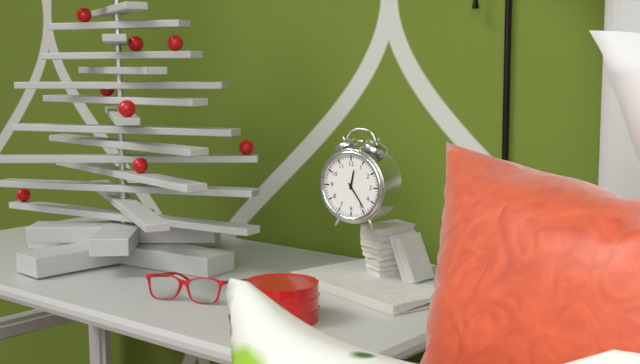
12:24
